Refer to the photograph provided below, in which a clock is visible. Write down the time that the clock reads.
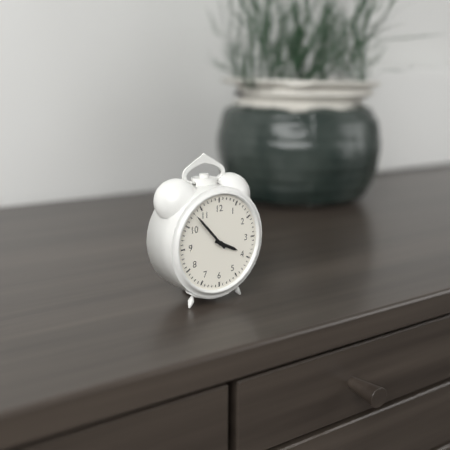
3:53
